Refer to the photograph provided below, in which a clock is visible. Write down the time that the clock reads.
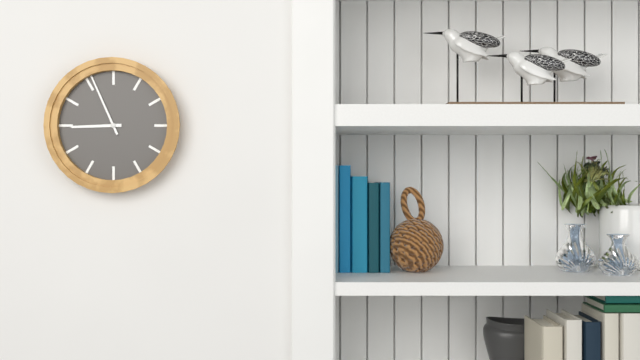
8:56
